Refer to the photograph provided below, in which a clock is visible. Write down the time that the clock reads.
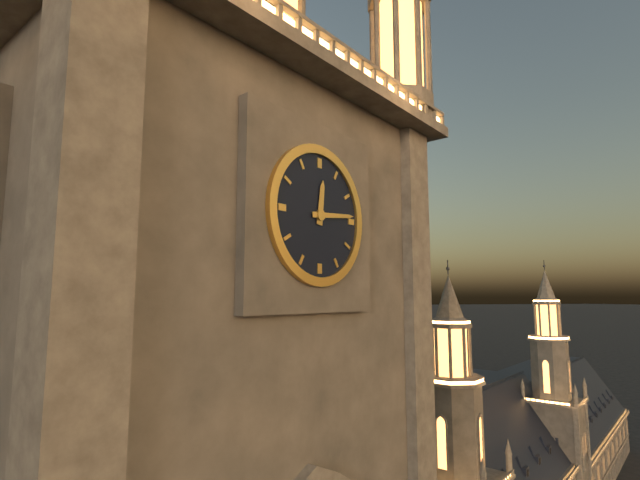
12:14
